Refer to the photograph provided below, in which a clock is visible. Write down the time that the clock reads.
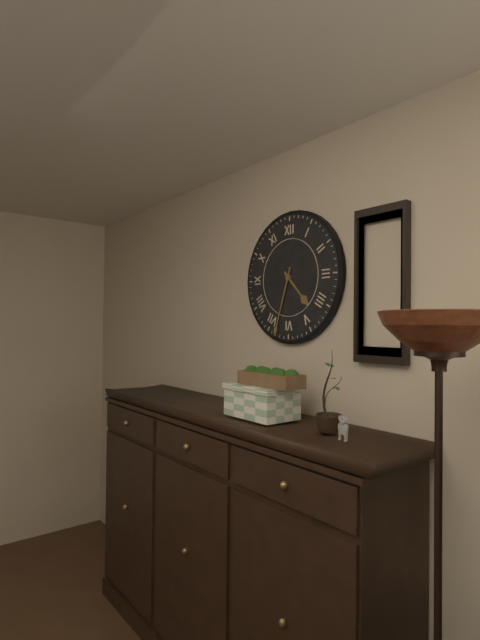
4:33
